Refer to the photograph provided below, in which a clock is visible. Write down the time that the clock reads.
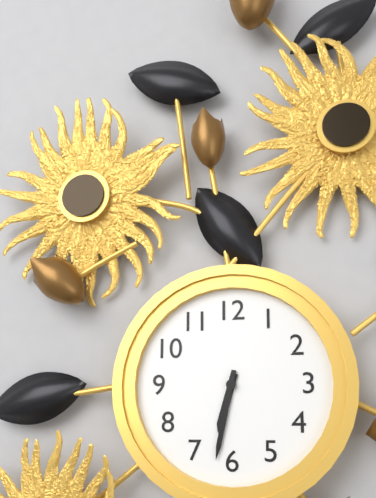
6:32
